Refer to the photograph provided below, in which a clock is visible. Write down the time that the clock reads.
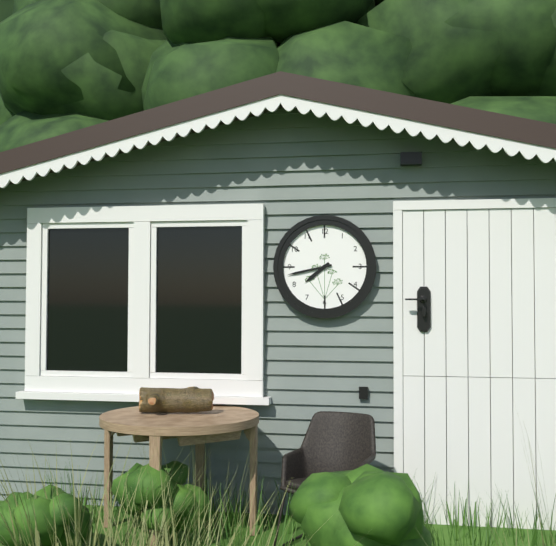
7:43
